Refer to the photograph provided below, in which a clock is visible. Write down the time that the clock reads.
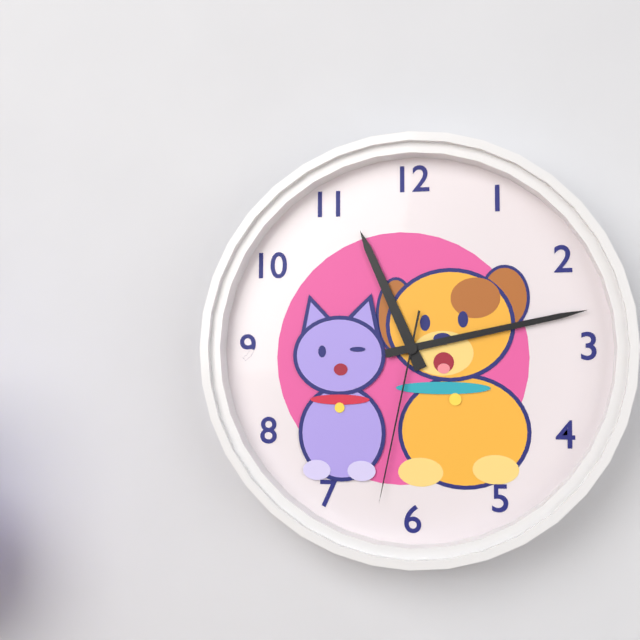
11:13:32
